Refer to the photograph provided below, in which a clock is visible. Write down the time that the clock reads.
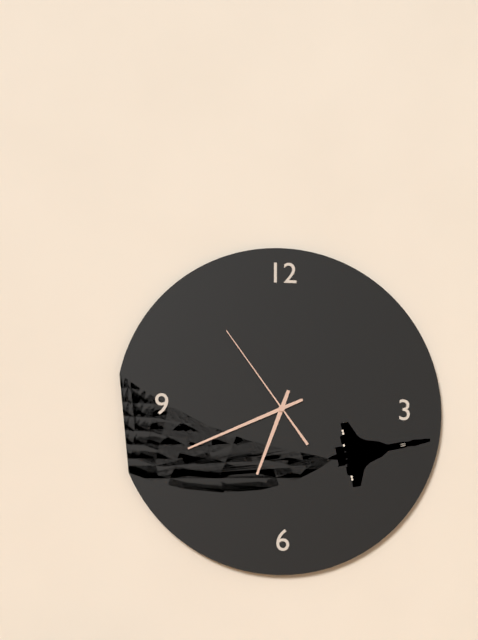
6:41:54
